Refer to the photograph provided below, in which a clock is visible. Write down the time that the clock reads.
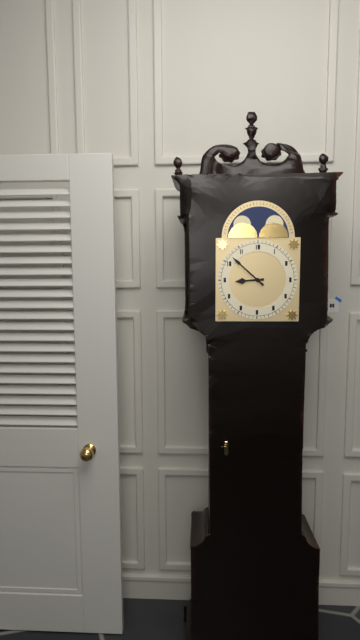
8:52
